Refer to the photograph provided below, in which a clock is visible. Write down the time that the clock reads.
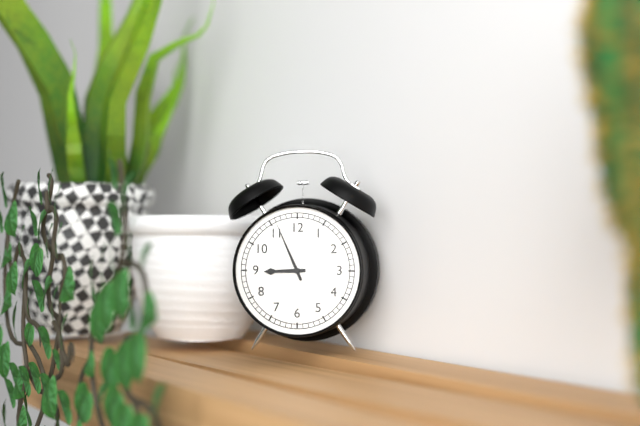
8:56
